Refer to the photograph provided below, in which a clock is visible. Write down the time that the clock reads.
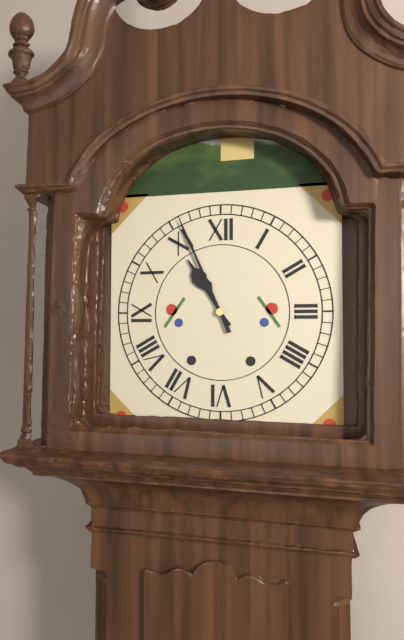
10:56
